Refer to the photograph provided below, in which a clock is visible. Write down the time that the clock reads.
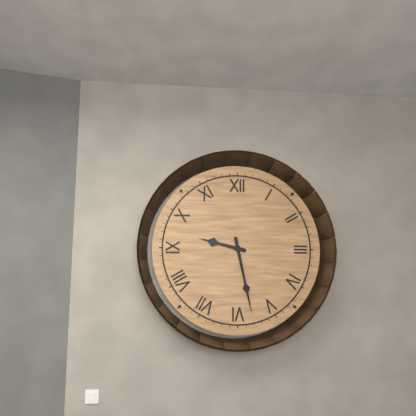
9:28
